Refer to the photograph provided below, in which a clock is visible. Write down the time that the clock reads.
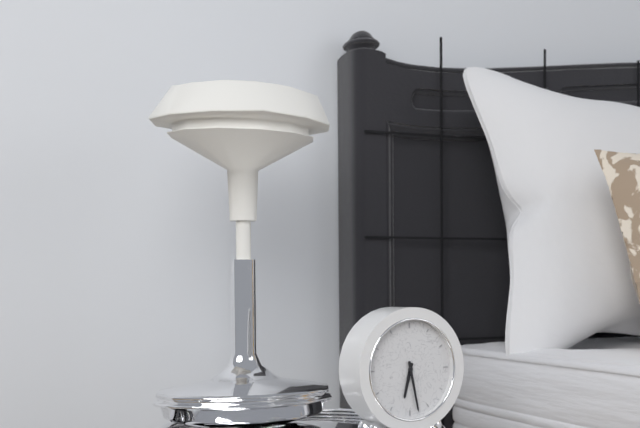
6:28
